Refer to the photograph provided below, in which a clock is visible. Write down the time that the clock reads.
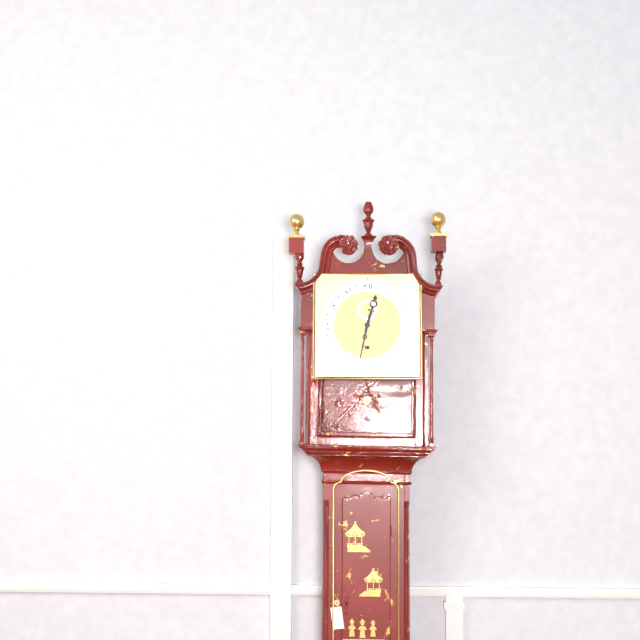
12:32
